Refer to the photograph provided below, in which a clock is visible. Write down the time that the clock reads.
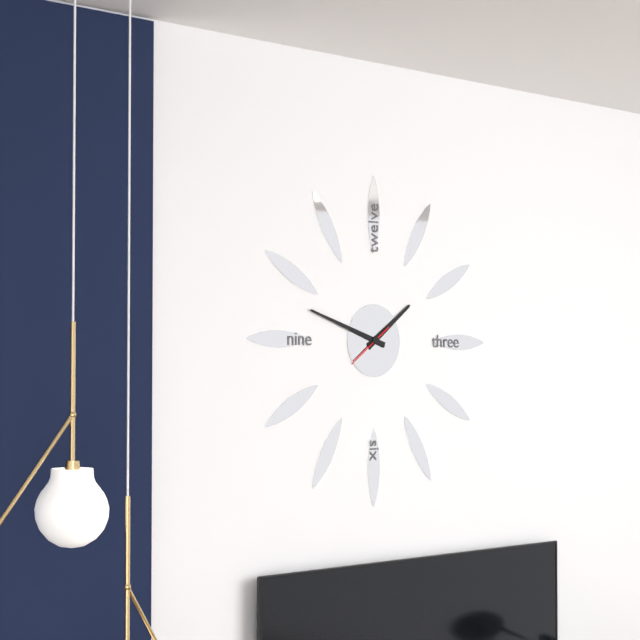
1:48
